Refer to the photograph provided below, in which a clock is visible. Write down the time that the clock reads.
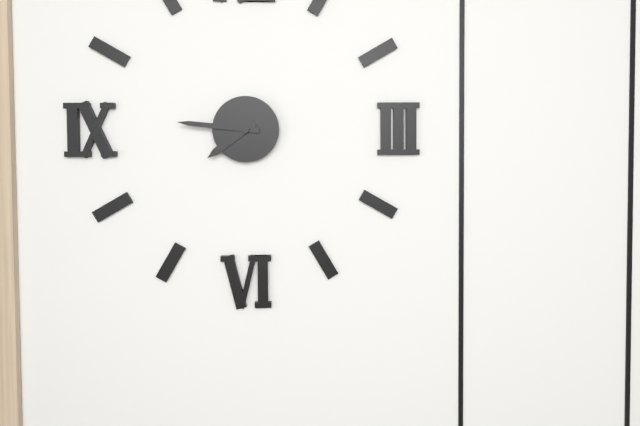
7:46
